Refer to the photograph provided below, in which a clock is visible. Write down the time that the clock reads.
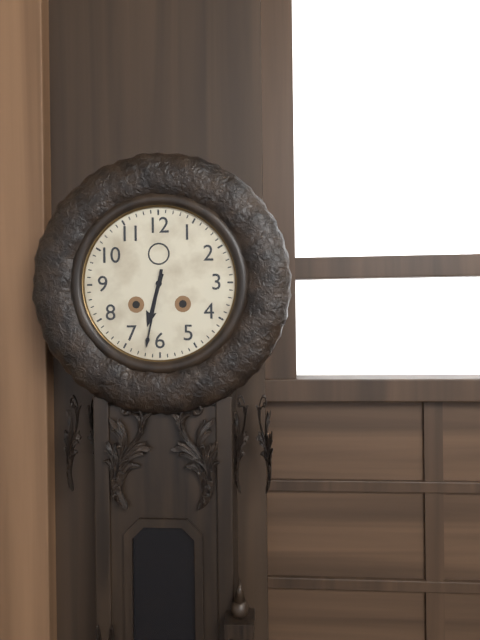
6:32
